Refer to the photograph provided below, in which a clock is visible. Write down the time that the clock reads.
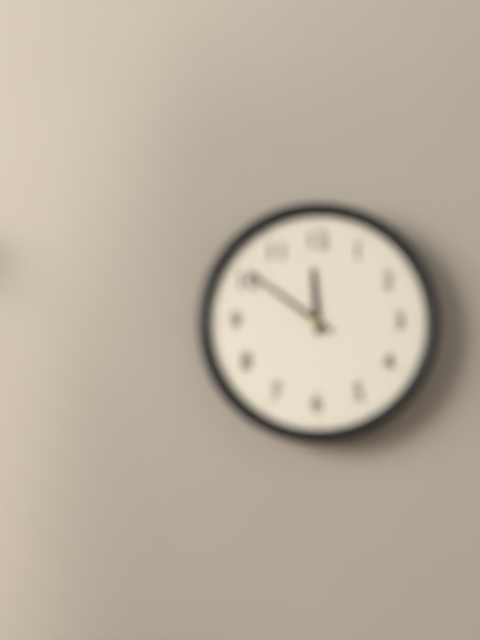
11:51
